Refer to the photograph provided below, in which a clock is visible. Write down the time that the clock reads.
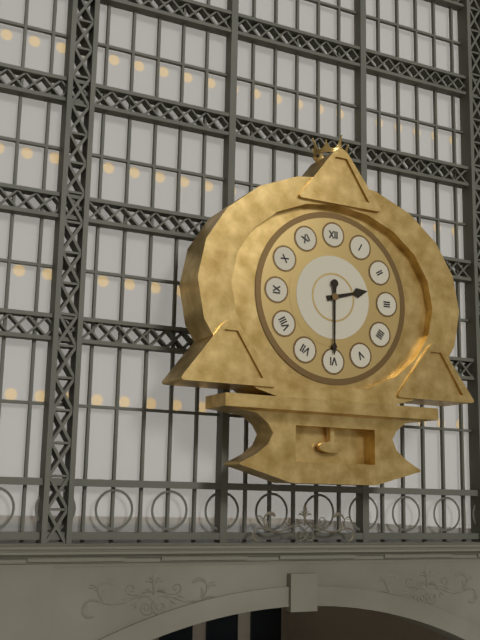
2:30
